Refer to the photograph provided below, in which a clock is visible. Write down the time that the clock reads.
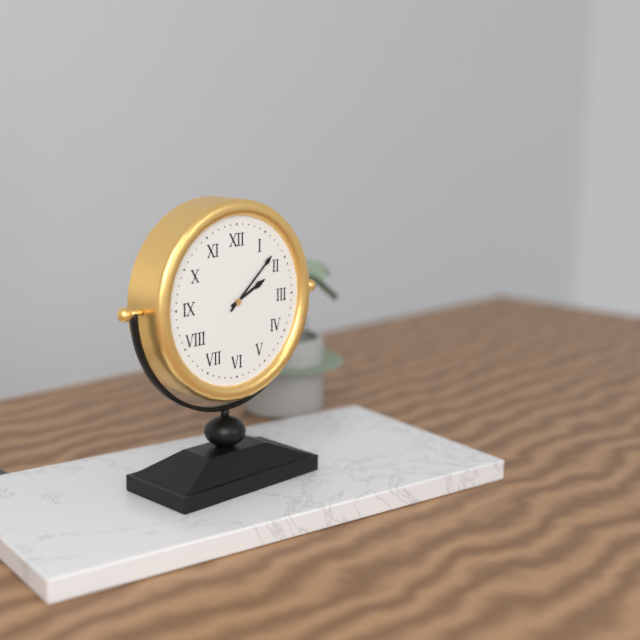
2:08
